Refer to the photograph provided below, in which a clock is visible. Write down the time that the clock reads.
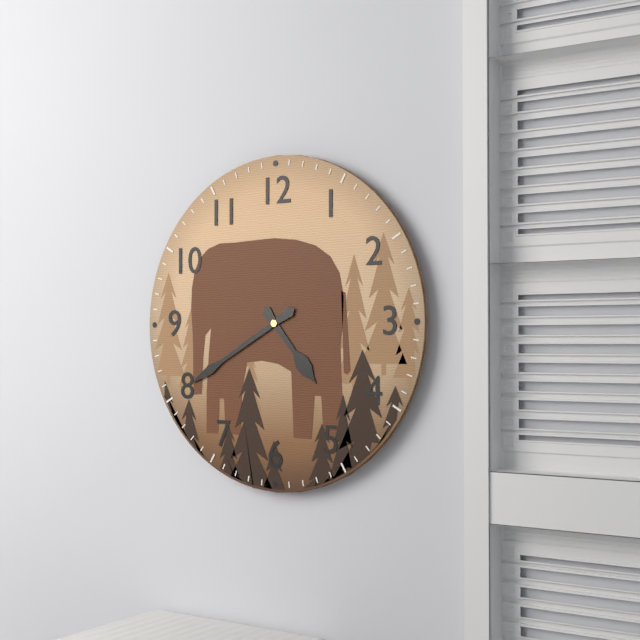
4:40
